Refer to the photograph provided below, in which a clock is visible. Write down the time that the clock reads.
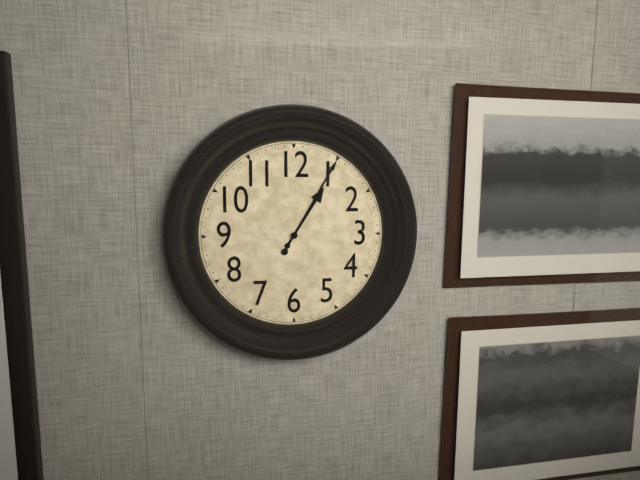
1:05
